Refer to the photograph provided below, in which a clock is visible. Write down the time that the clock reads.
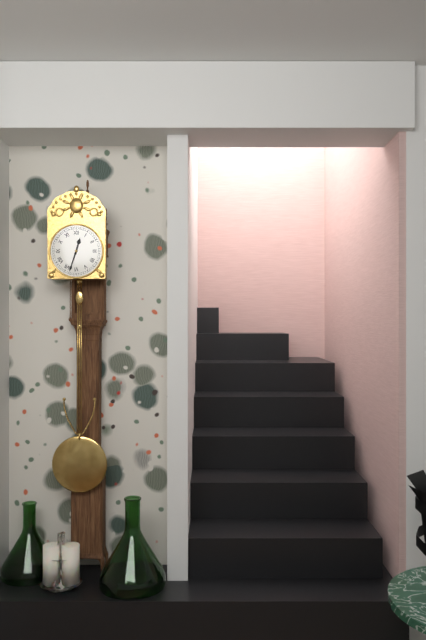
12:33
